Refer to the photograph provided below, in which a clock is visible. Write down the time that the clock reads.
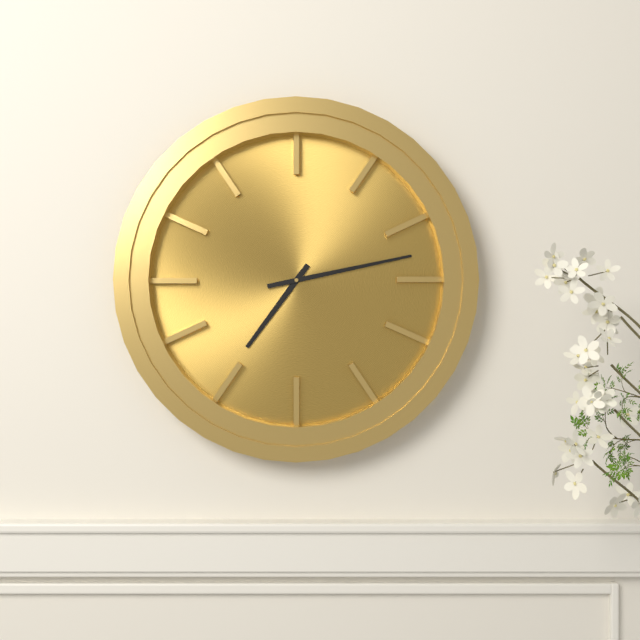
7:13
